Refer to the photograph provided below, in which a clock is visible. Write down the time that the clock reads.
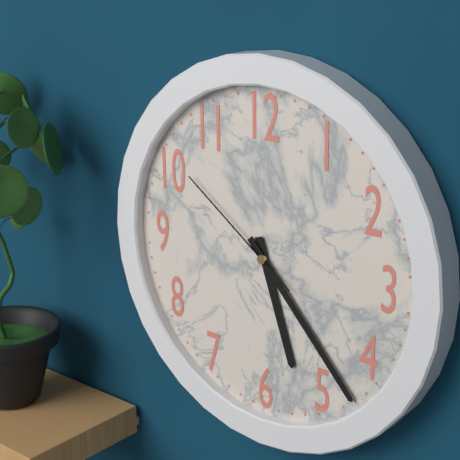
5:23:51
